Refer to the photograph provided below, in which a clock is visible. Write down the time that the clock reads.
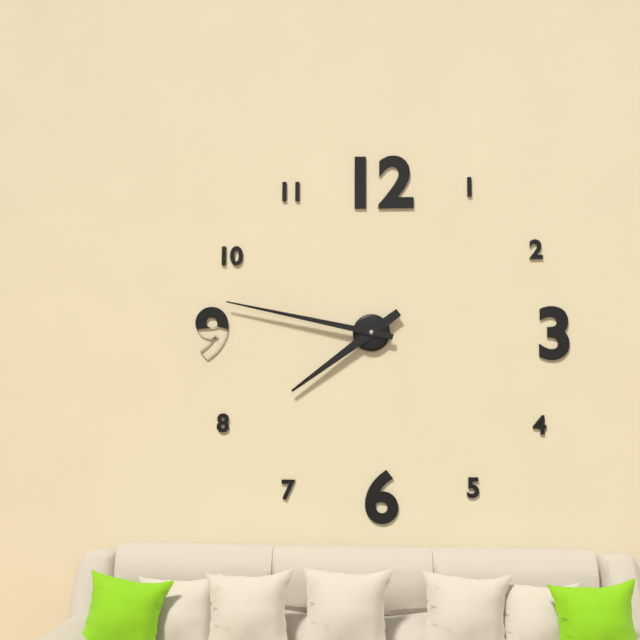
7:47
